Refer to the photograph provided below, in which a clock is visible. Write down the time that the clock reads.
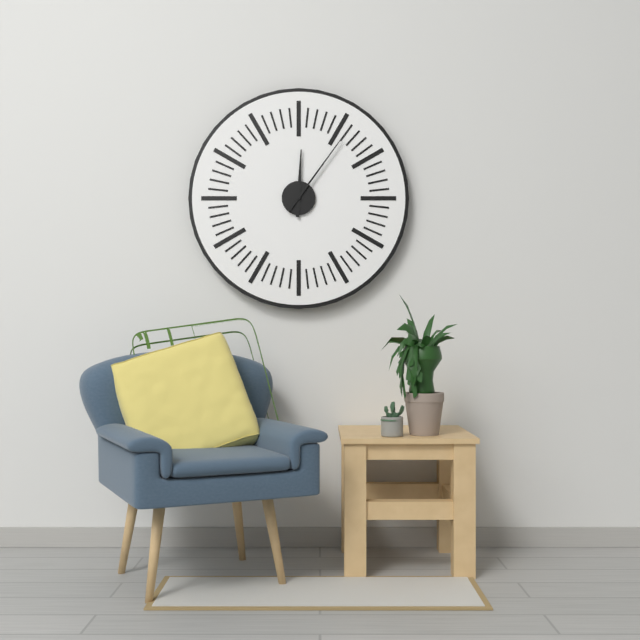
12:06
